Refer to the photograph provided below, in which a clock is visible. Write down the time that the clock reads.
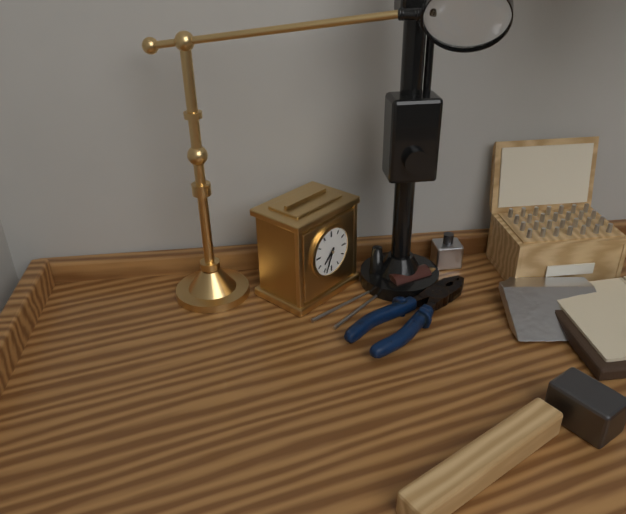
7:34
